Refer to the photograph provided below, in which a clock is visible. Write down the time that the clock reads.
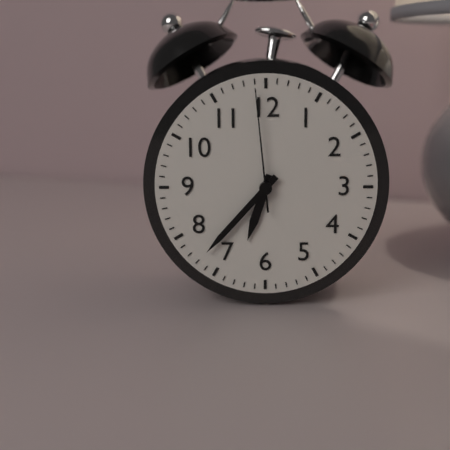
6:37:59
